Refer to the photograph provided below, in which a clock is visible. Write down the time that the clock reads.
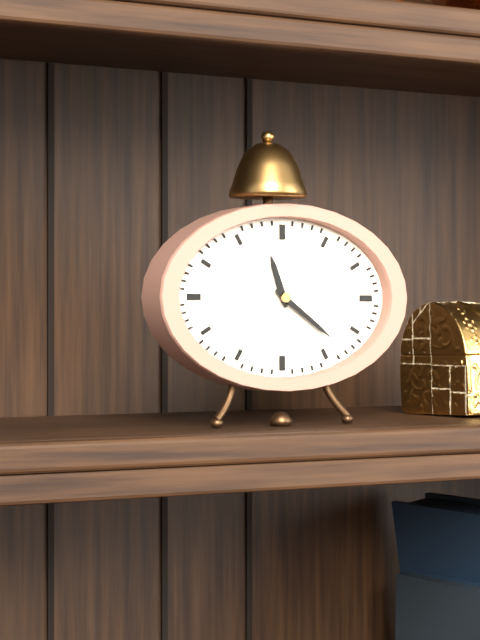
11:21
